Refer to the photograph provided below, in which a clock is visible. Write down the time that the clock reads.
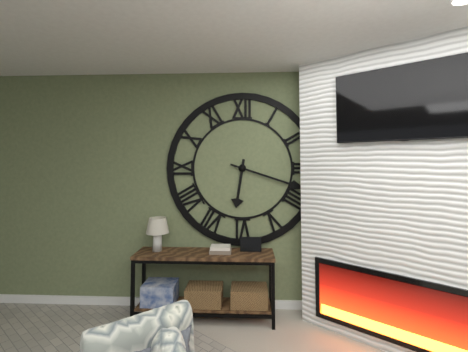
6:18
